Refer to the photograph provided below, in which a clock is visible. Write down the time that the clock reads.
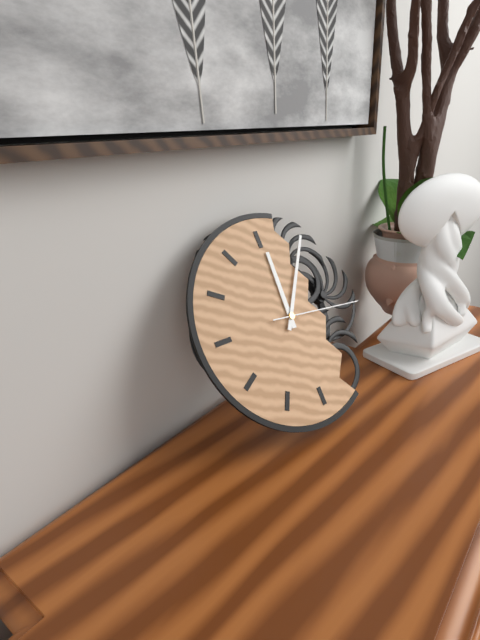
12:06:16
